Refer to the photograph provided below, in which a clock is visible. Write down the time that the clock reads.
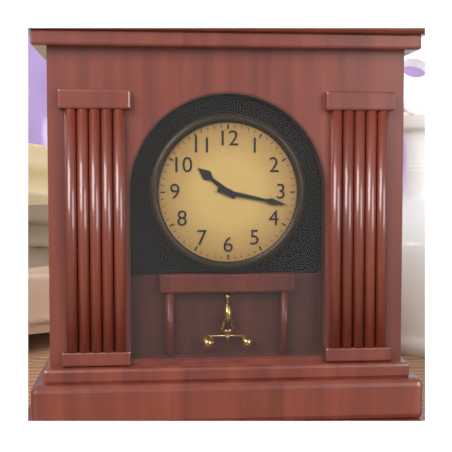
10:17
